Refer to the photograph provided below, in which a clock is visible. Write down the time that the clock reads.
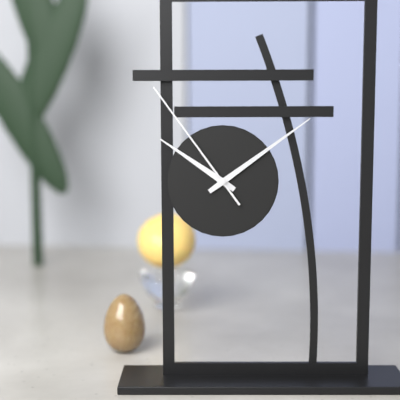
10:09:54
